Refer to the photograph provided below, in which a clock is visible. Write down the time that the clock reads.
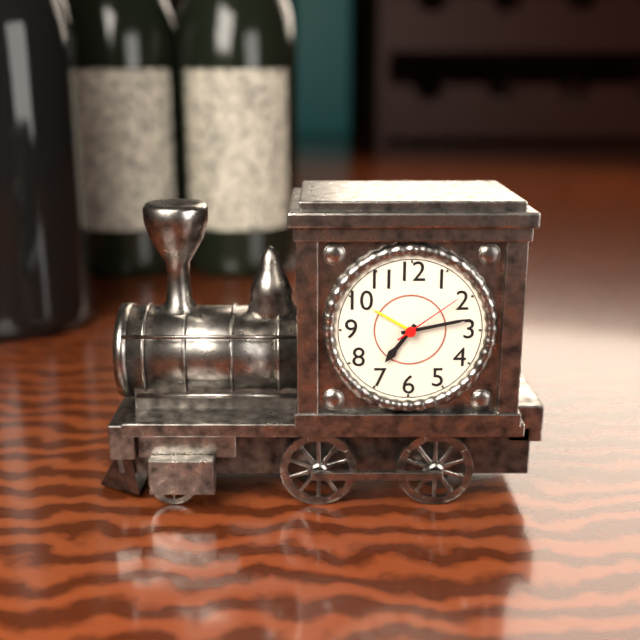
7:13:09
